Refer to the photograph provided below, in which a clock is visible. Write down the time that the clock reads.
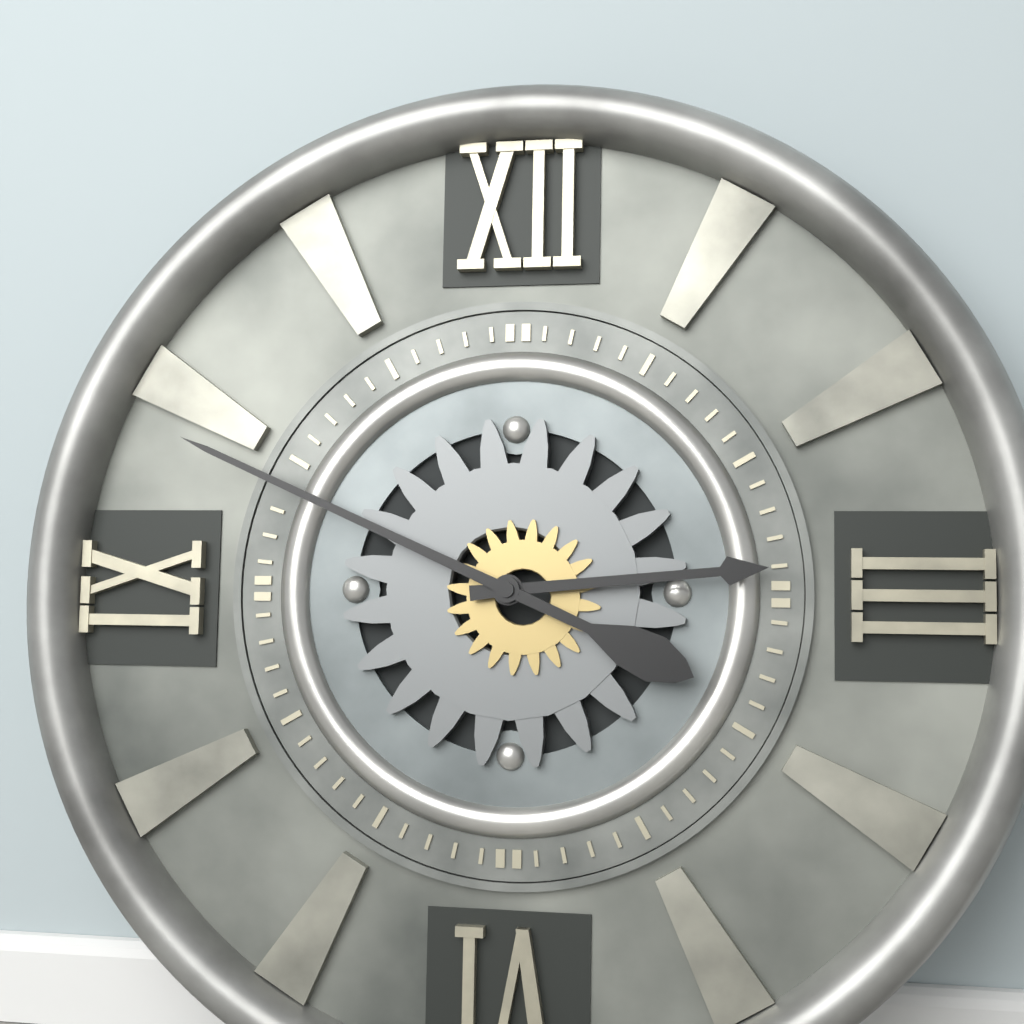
2:49
